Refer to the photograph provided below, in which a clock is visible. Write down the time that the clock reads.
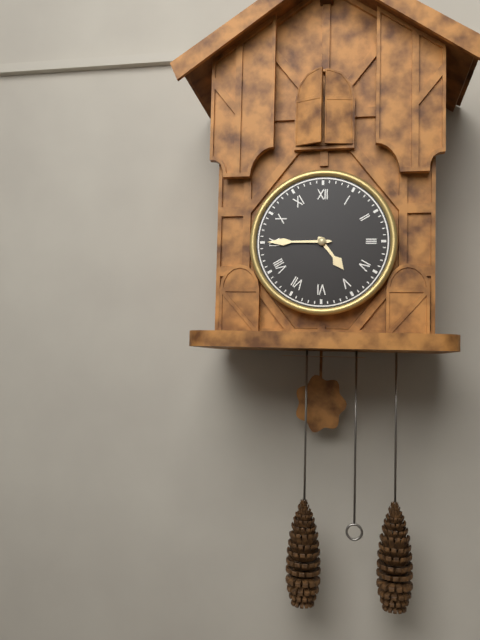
4:45
